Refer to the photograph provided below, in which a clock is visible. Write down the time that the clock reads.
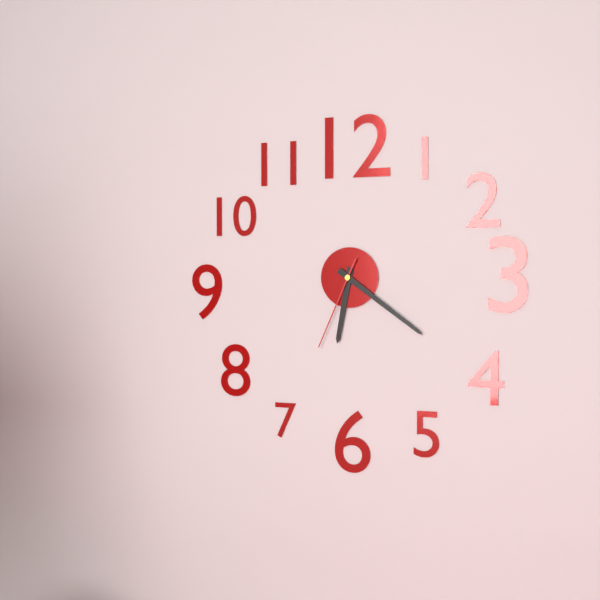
6:21:34
